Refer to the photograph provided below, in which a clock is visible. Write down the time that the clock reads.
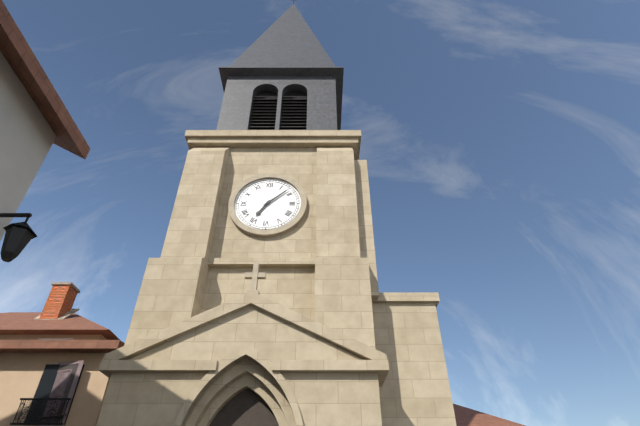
7:08
